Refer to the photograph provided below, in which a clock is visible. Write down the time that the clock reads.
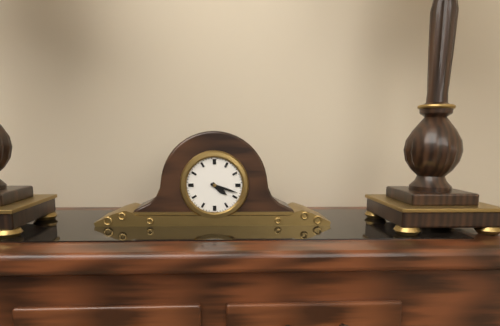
4:18
